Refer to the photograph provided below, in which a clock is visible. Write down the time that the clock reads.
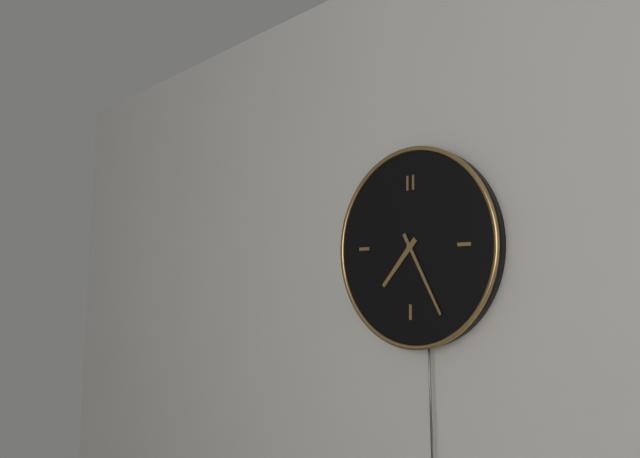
7:25
